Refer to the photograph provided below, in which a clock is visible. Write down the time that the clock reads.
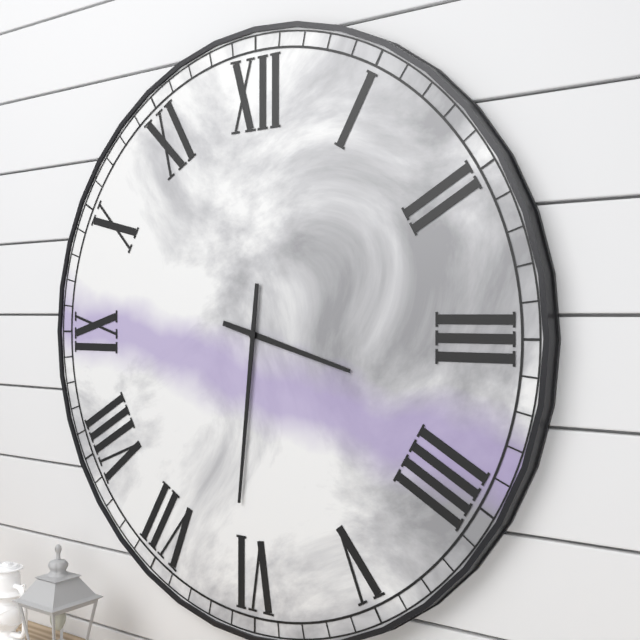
3:31
